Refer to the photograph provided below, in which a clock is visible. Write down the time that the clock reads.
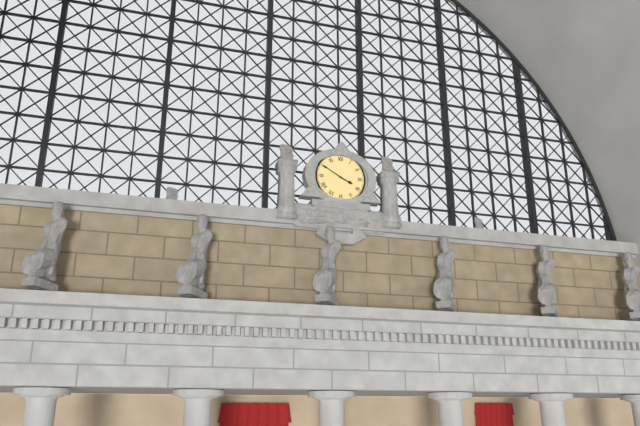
3:50
